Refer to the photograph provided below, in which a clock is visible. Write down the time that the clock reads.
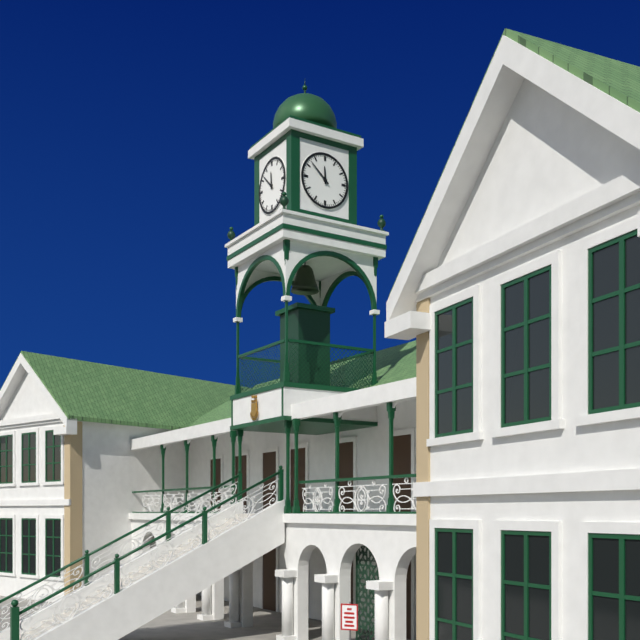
11:52
